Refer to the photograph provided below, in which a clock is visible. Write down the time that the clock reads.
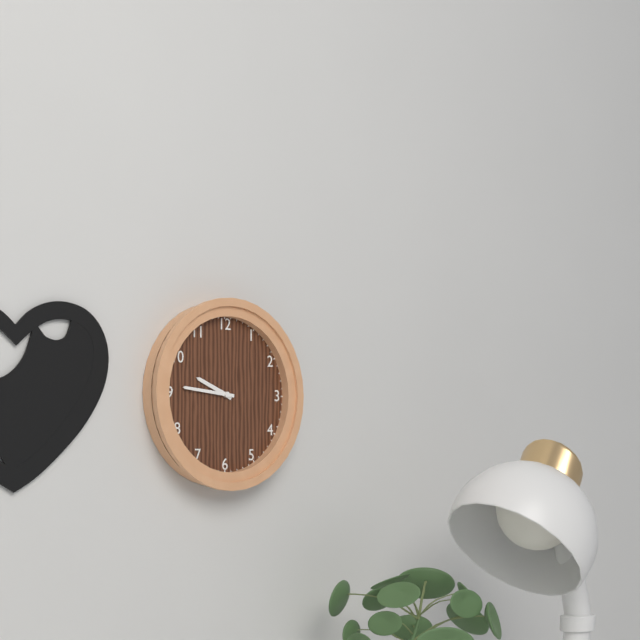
9:46
